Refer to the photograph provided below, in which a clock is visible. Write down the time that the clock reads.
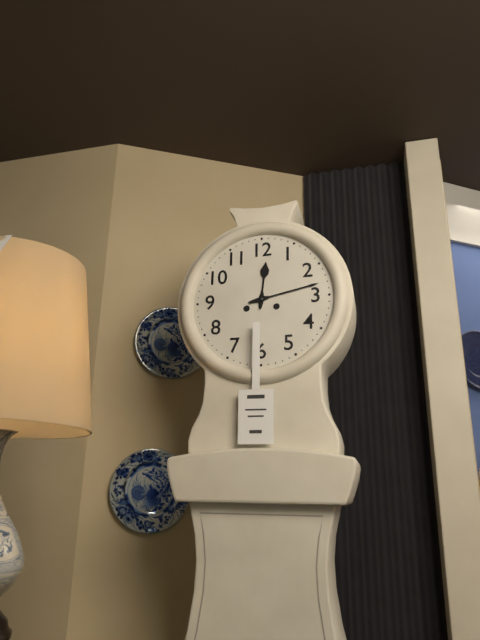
12:13
